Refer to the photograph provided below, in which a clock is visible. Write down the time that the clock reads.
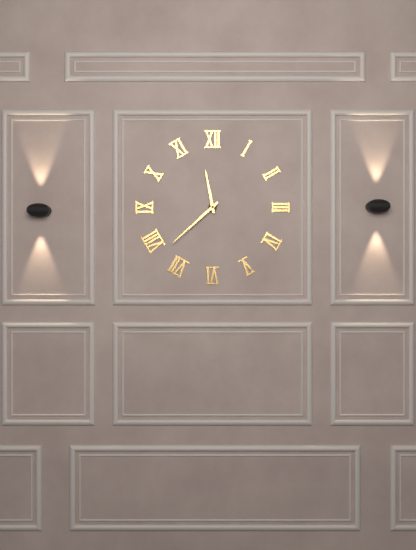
11:38
